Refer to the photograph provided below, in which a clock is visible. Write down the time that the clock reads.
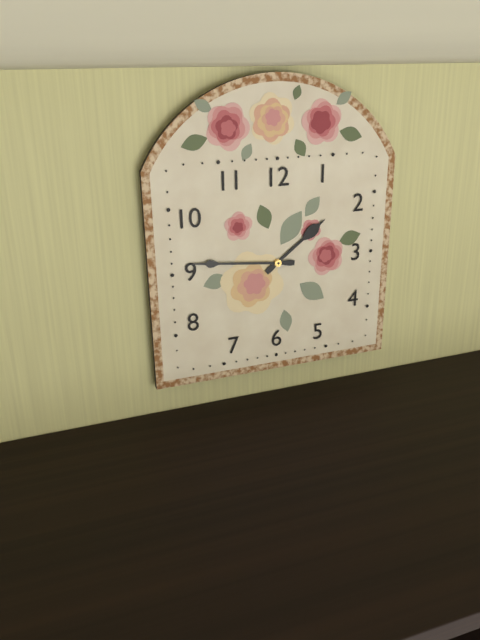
1:46
